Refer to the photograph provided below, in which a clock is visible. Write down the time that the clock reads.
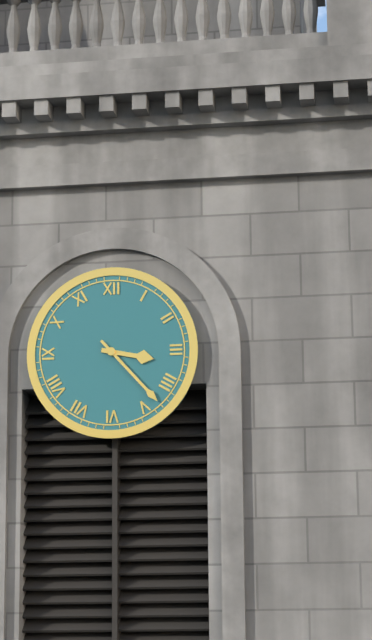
3:23
